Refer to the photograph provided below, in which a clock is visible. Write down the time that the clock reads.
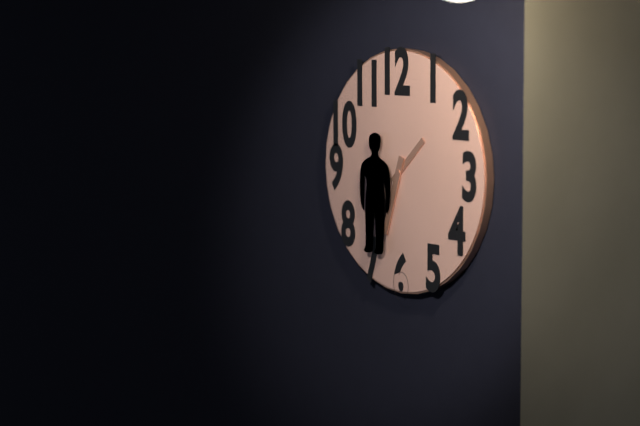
1:33
